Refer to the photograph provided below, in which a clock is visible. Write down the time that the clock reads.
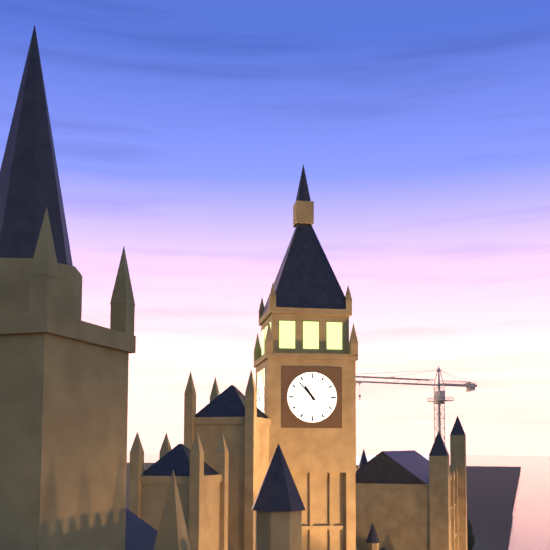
10:53
